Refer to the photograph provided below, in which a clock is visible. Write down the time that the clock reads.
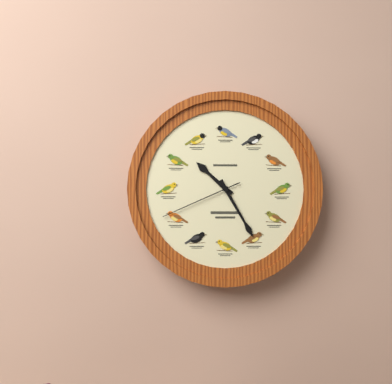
10:25:41
